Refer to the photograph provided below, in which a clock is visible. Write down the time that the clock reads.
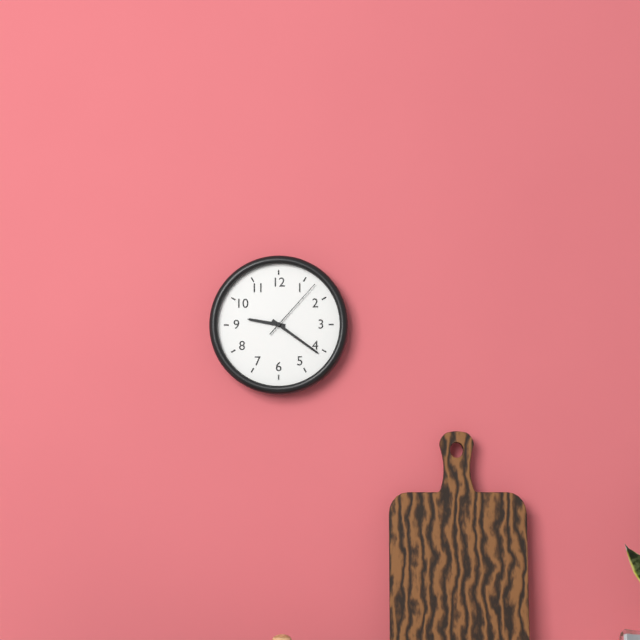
9:21:07
